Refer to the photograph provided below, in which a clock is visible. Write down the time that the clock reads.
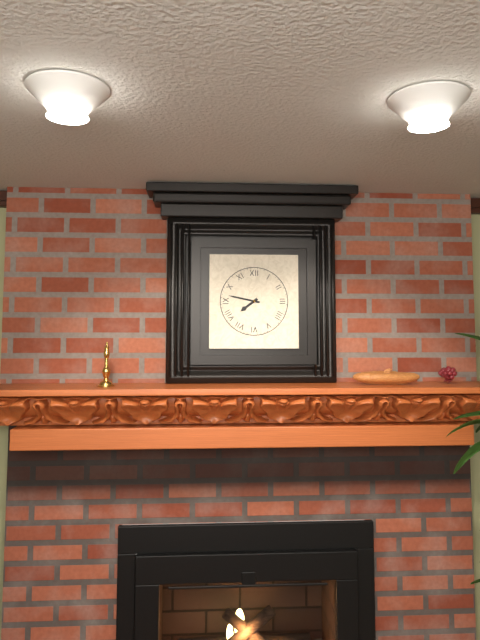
7:47
